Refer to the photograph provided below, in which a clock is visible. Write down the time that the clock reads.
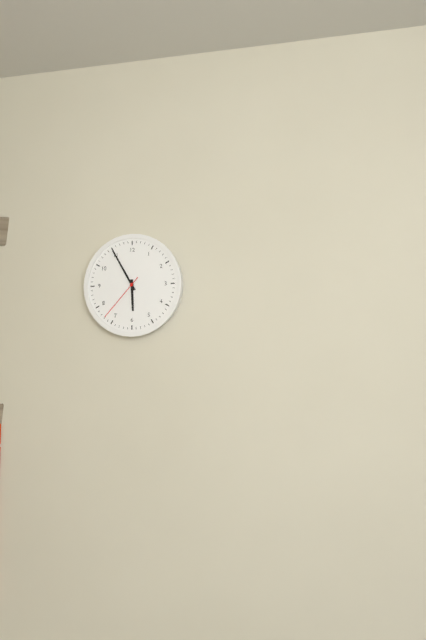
5:55:37
